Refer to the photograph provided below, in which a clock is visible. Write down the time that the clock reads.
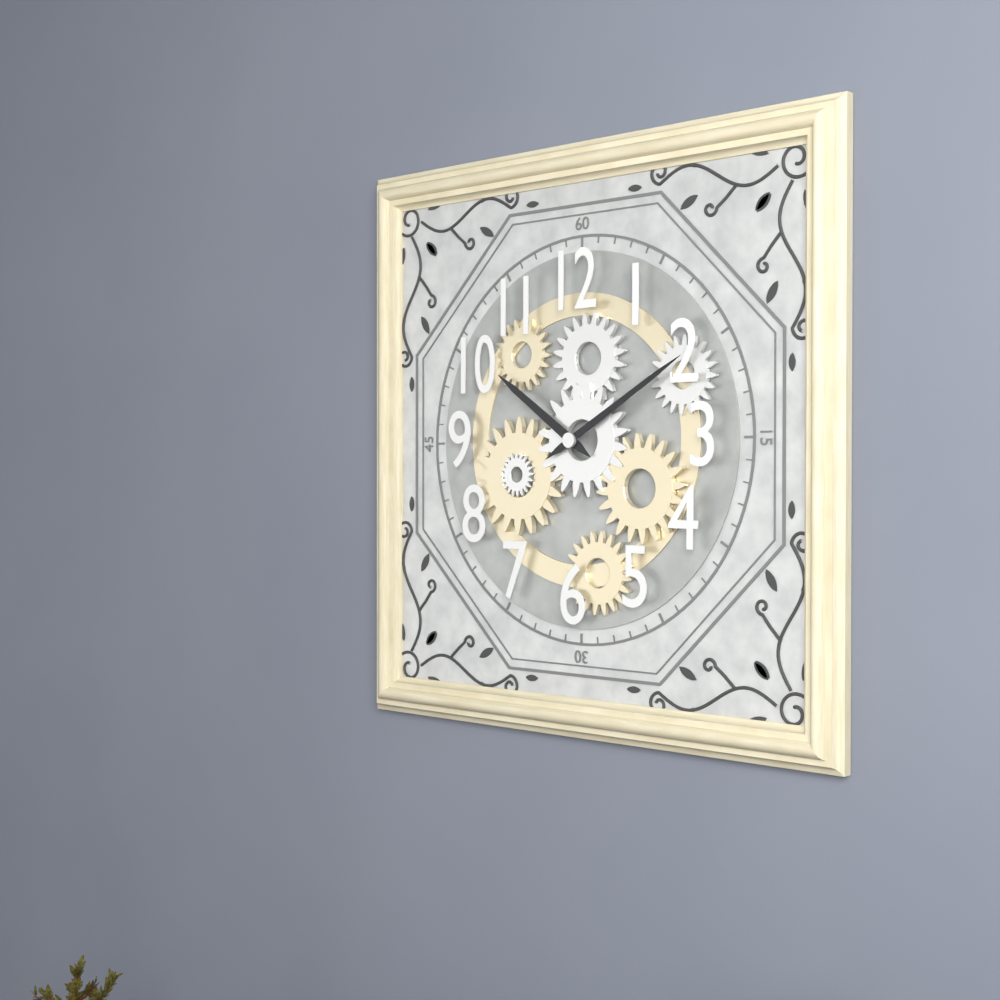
10:10
